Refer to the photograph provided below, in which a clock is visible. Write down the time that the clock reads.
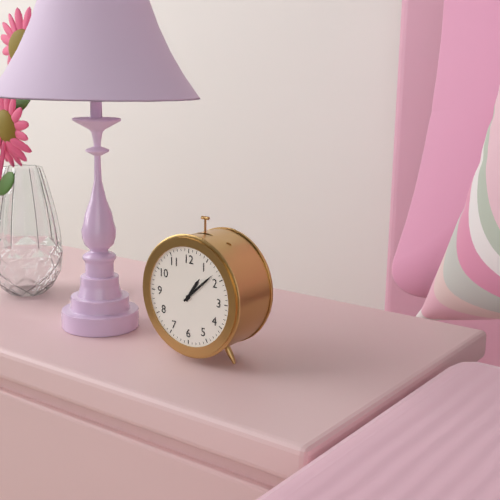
1:08
